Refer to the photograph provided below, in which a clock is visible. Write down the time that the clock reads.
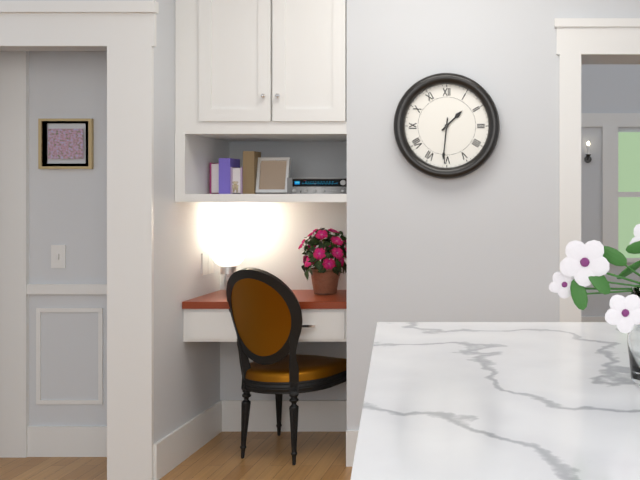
1:31
